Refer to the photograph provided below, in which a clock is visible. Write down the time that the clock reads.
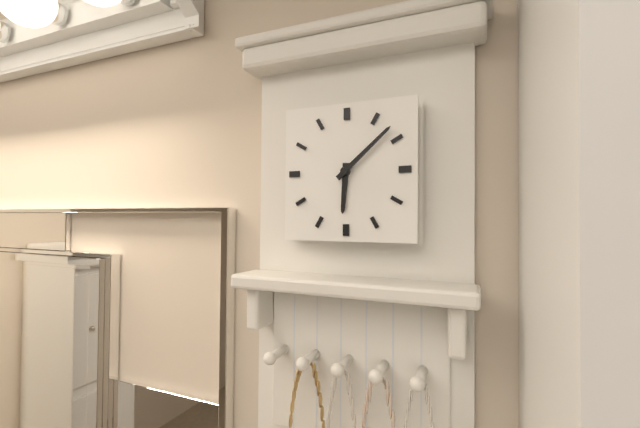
6:08
